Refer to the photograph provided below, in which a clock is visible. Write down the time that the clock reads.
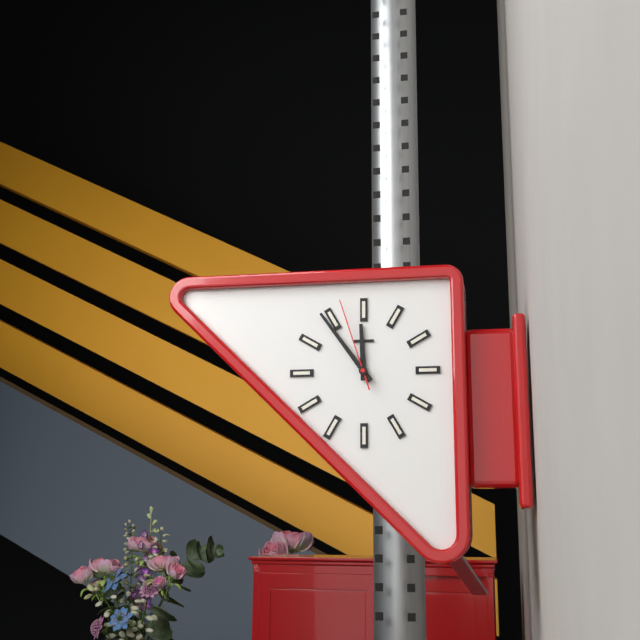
11:54:57
